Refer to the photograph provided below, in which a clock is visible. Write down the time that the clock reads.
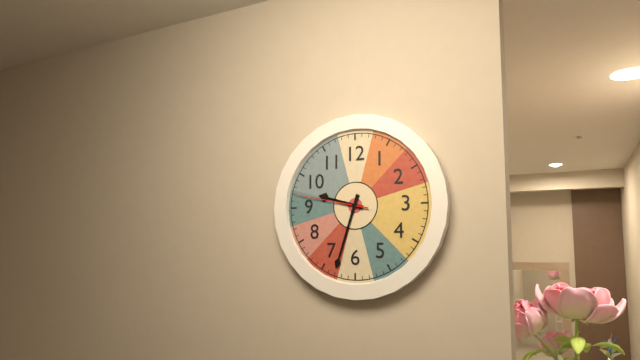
9:33:47
